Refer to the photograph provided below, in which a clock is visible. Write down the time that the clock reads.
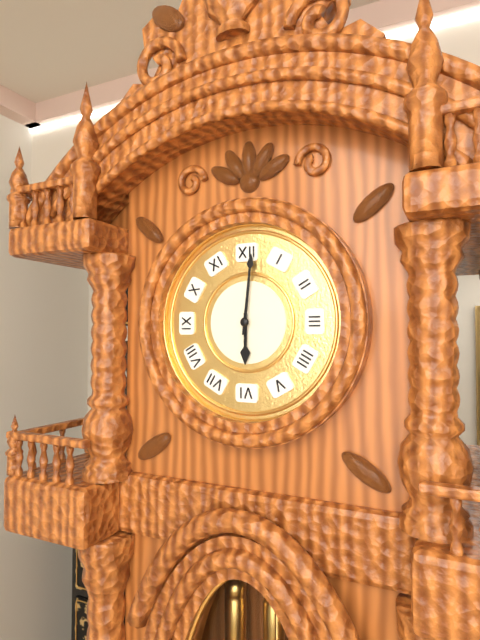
6:01
